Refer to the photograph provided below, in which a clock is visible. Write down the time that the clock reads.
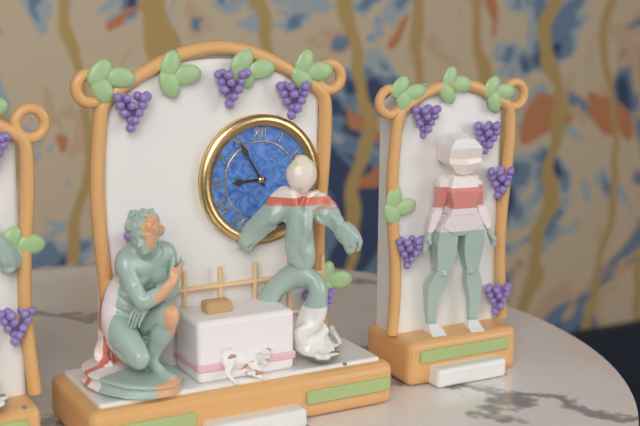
8:55
